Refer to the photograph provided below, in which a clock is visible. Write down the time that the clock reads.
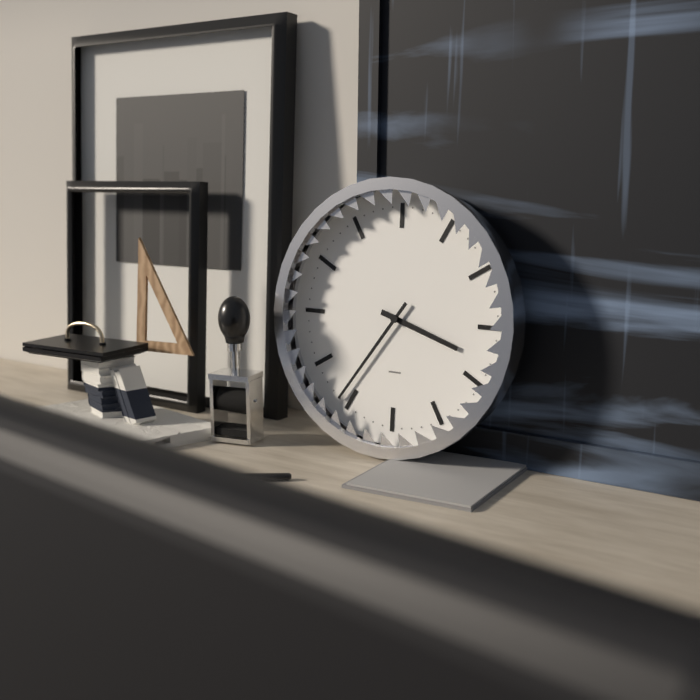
3:36
